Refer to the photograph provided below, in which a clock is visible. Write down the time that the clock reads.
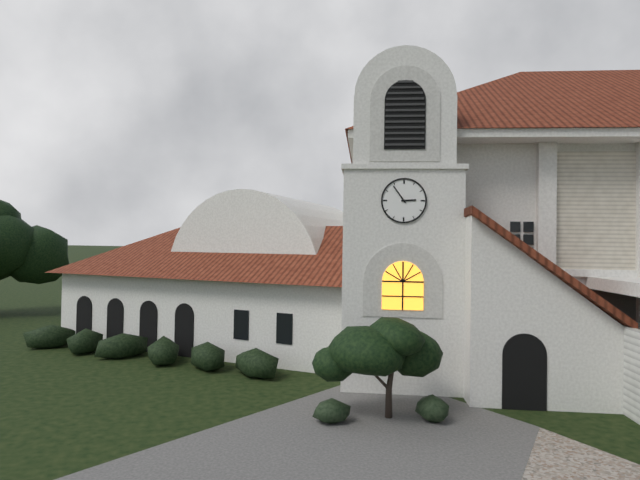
2:54
